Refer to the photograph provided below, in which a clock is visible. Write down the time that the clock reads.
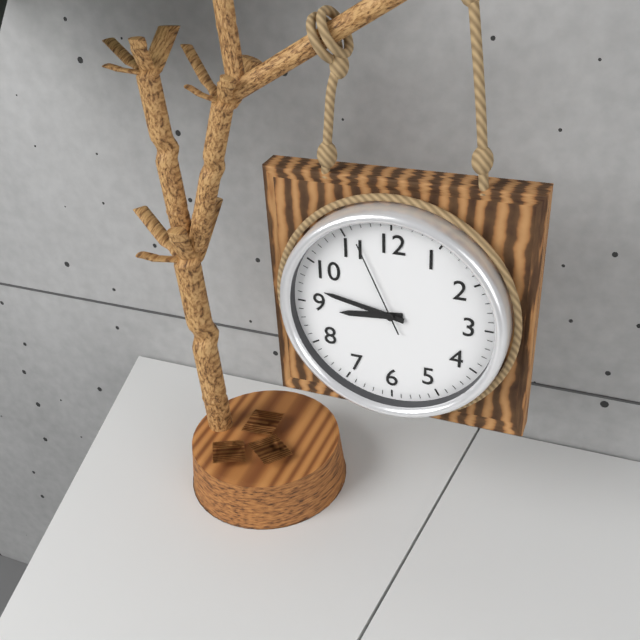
8:47:56
